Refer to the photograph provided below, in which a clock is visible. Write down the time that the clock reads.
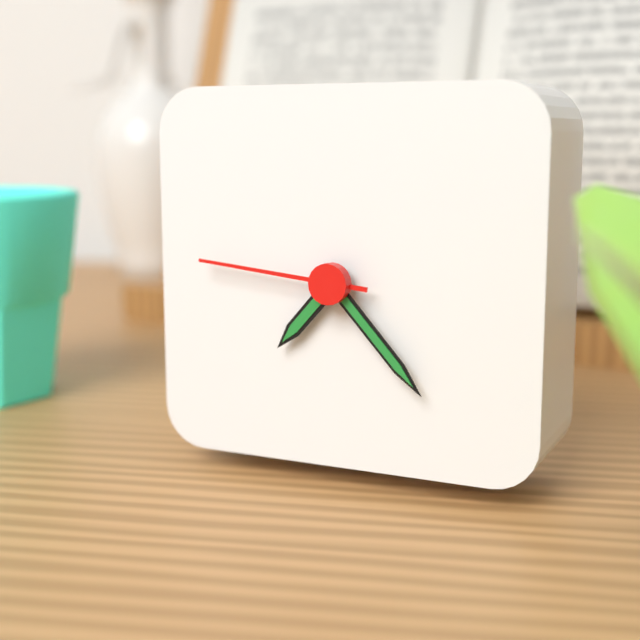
7:23:46
